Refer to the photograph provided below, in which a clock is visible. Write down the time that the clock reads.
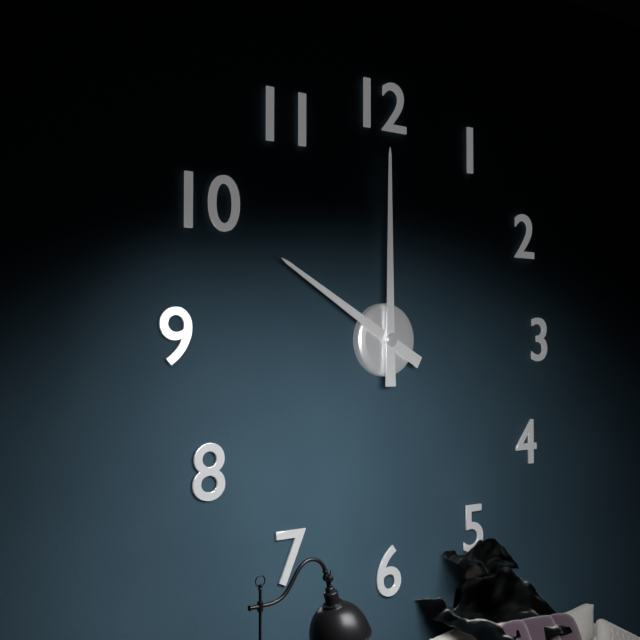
10:00
